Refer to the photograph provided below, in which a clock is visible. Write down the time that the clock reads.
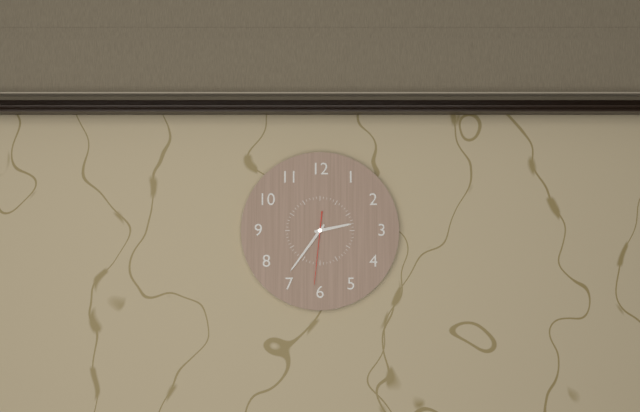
2:36:31
